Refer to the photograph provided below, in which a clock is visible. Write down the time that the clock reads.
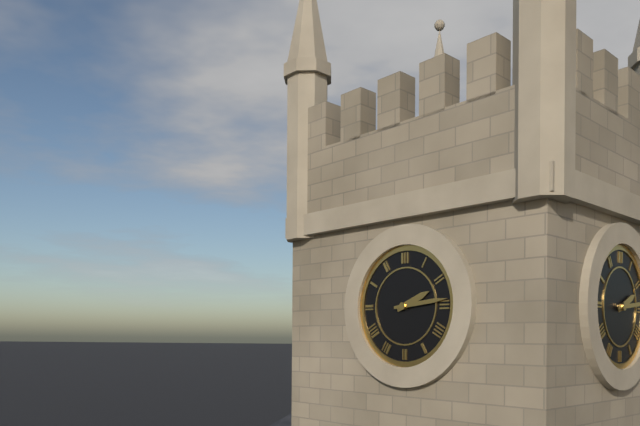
2:14
